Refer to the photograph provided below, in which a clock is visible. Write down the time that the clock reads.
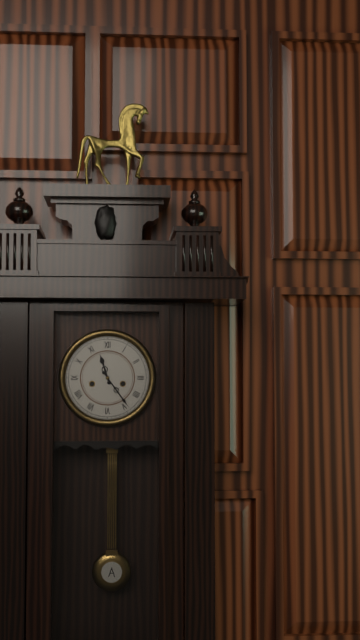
11:24
